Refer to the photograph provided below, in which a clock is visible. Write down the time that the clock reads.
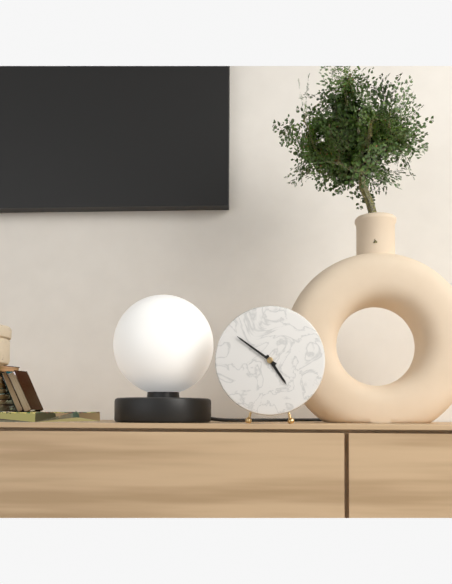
4:51
